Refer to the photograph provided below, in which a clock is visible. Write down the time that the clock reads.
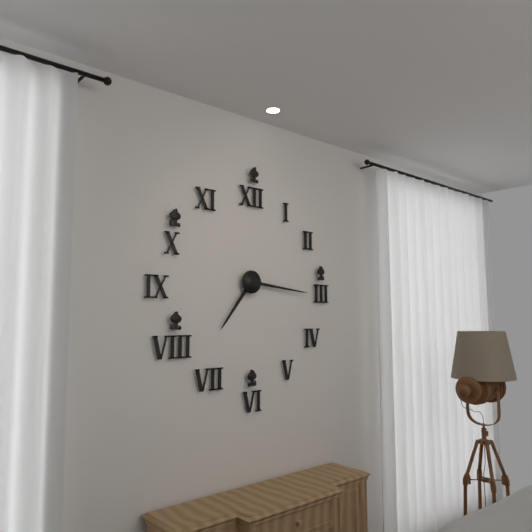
7:16
